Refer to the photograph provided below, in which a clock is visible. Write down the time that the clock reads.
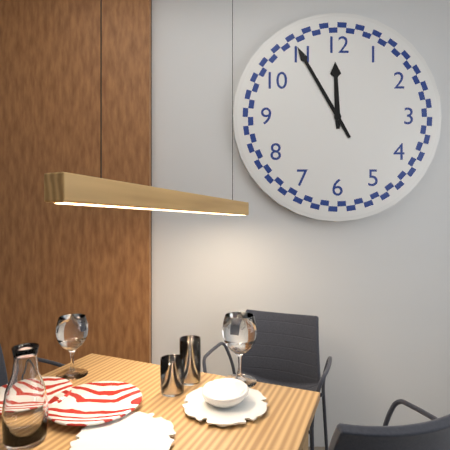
11:55
